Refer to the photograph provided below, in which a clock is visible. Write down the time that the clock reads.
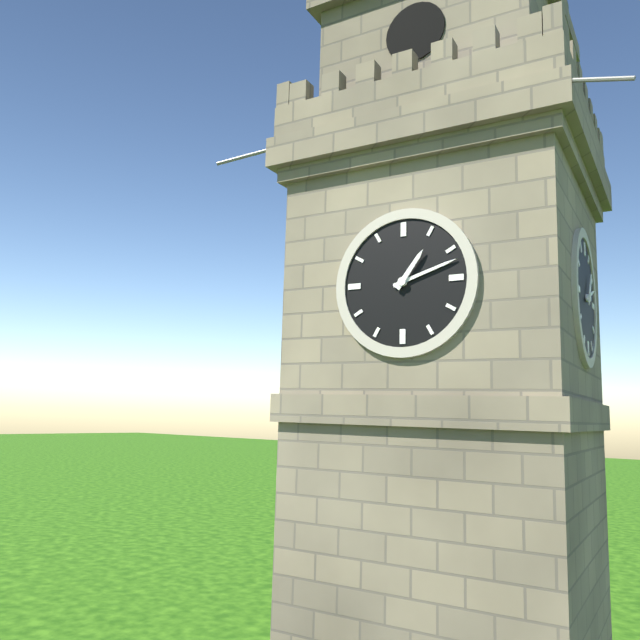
1:12
